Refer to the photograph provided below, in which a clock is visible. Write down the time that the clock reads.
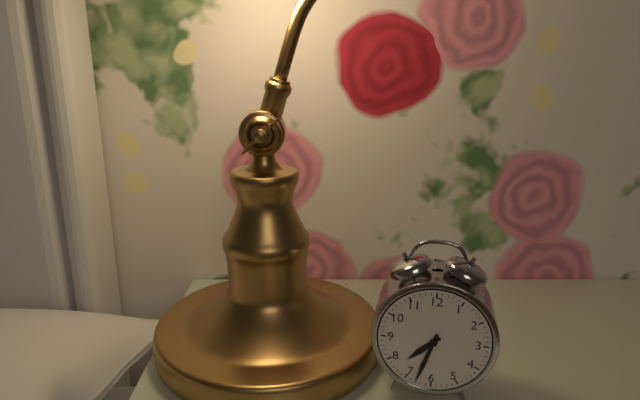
7:33
